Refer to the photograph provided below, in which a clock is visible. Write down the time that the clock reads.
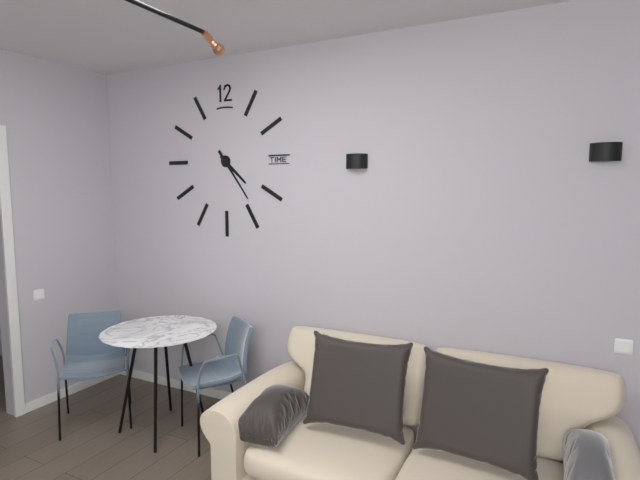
4:24
